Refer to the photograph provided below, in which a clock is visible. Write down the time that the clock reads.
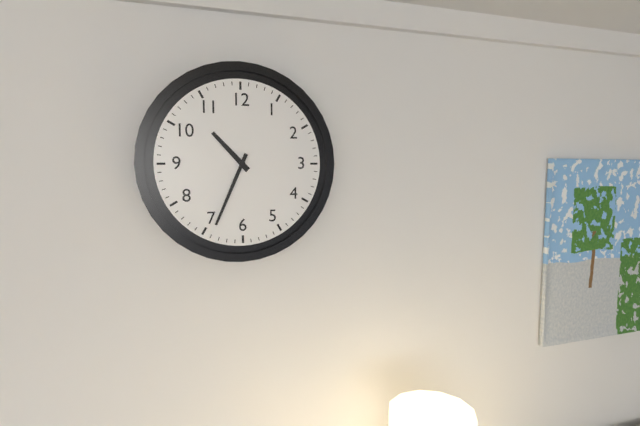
10:34
